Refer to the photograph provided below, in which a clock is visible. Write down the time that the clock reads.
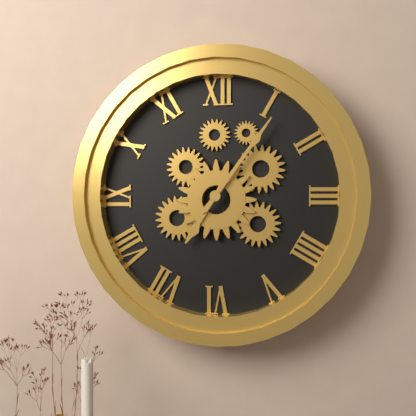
7:06
